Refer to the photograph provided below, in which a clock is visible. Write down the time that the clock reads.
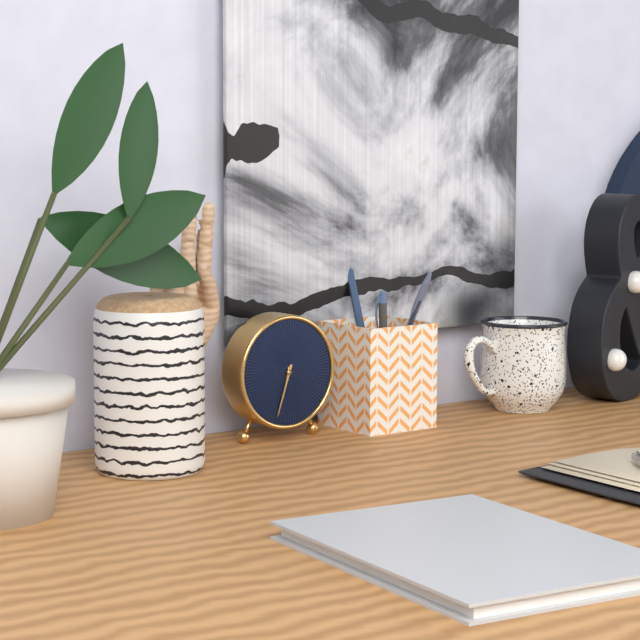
6:33
